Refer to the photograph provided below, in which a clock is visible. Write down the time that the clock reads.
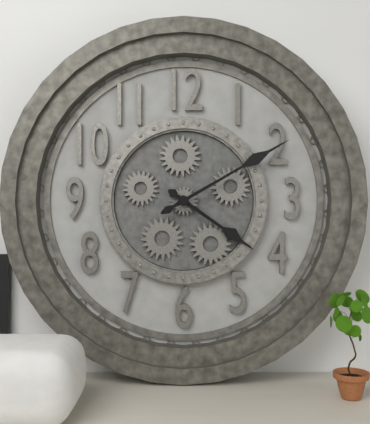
4:10
